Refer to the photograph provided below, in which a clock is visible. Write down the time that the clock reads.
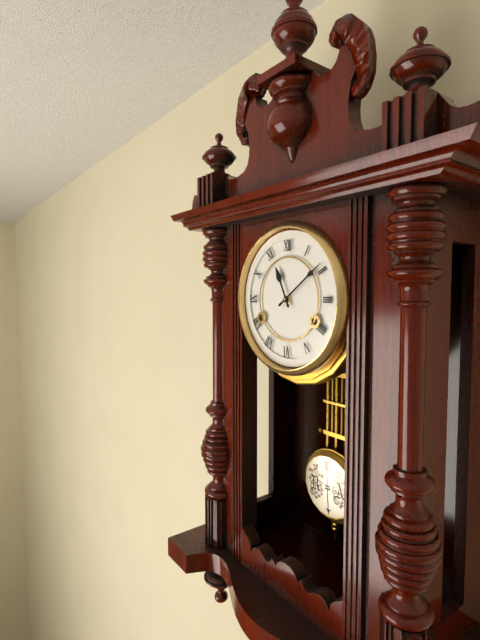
11:09
